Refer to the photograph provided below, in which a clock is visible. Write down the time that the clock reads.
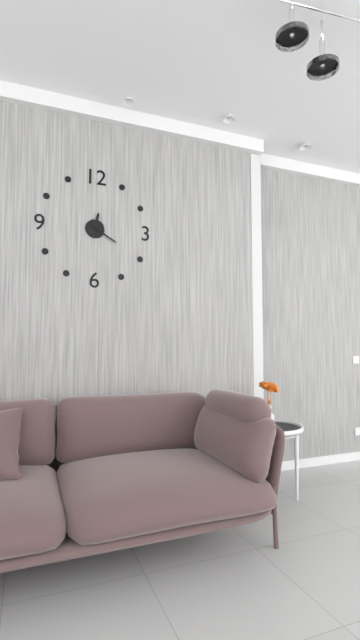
12:20
